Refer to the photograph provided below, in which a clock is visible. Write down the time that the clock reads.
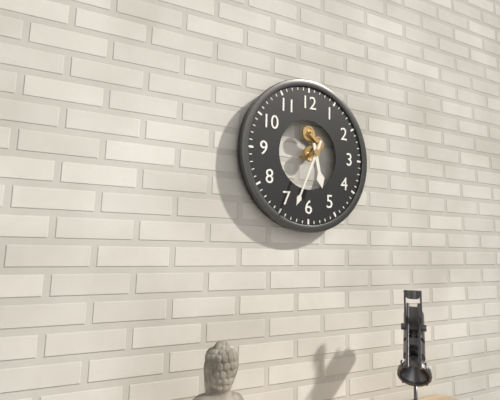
5:34
